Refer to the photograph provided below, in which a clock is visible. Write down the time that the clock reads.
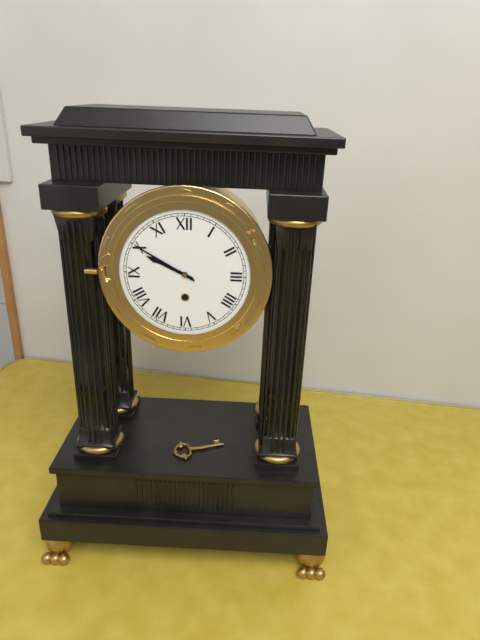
9:50
